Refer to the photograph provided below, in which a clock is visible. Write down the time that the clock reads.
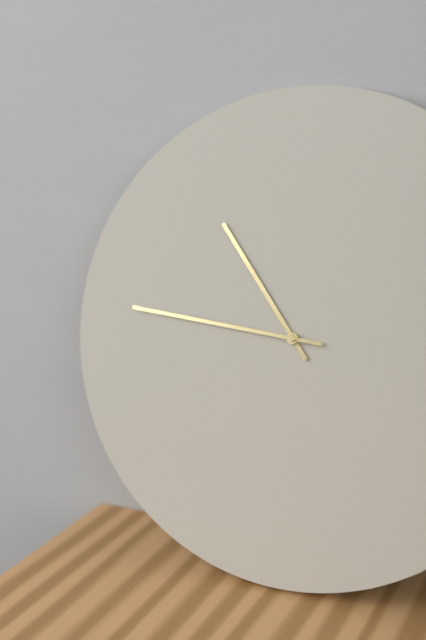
10:46
